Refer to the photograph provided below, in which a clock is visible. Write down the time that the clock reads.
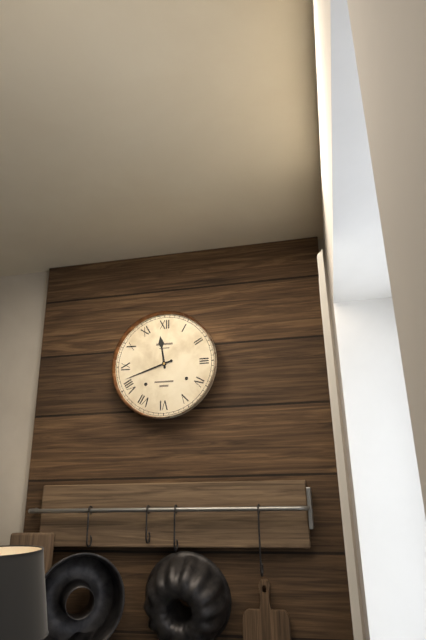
11:42
